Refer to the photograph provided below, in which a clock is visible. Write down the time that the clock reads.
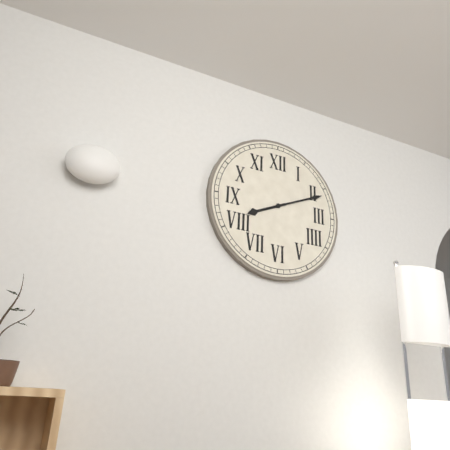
8:11
